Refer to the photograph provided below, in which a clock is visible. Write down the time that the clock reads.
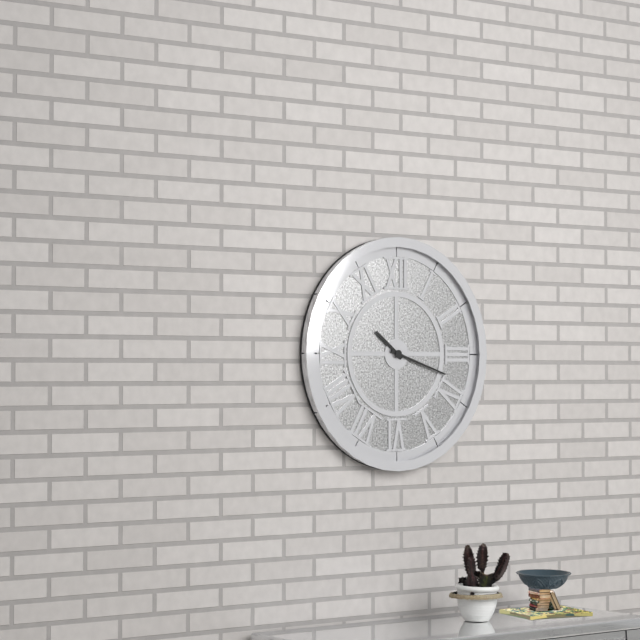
10:18
